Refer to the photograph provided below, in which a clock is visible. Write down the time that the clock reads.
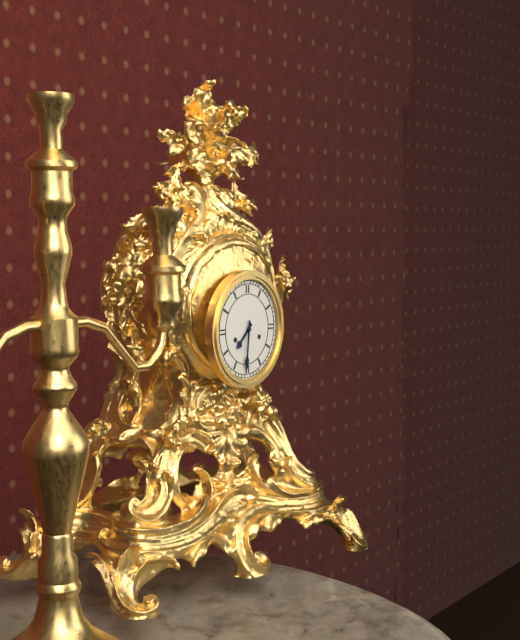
7:31
